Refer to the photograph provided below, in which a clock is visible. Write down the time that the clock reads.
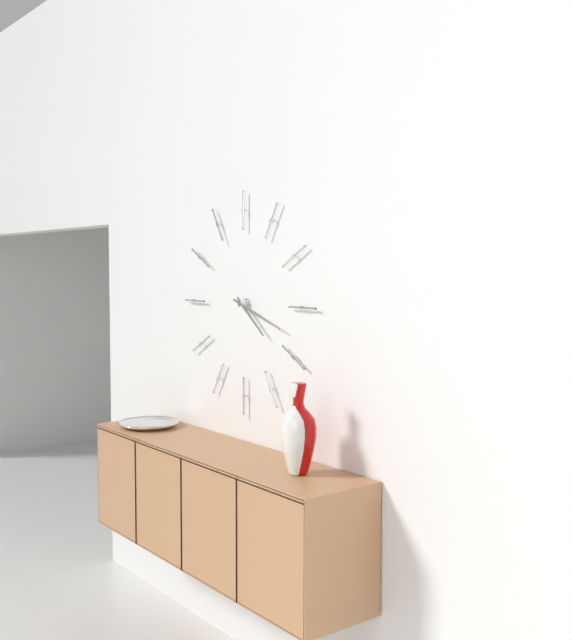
4:18
